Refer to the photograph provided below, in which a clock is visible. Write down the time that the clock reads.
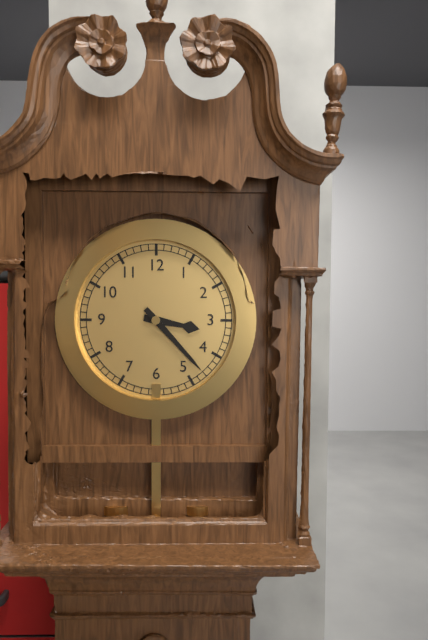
3:23
